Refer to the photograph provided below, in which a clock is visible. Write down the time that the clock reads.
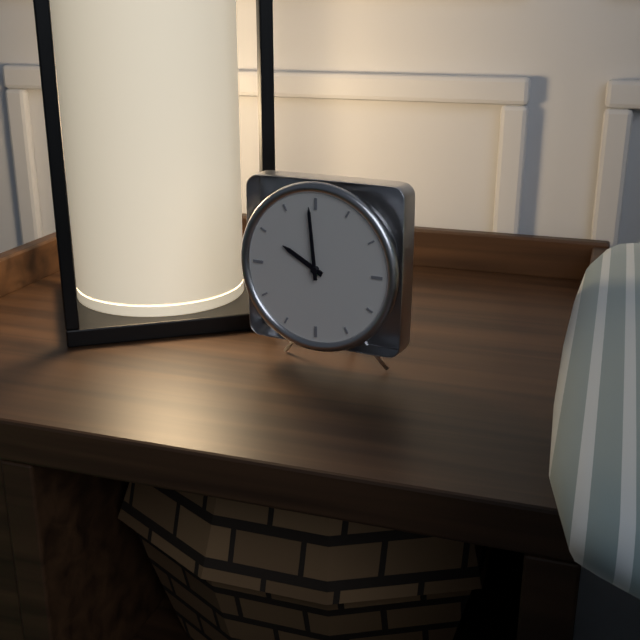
9:59
